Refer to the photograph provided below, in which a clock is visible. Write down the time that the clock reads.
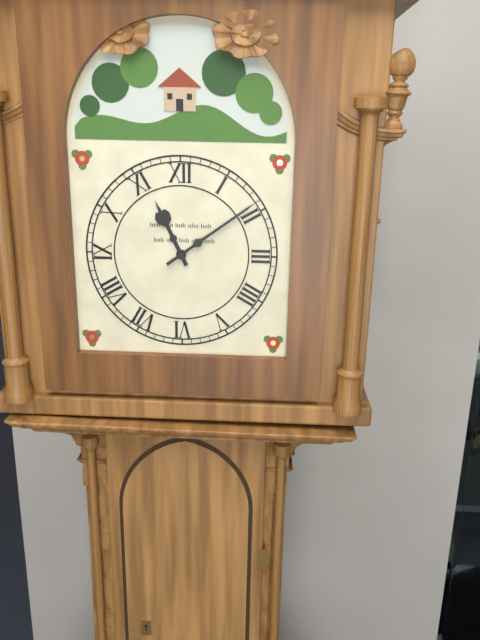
11:09
